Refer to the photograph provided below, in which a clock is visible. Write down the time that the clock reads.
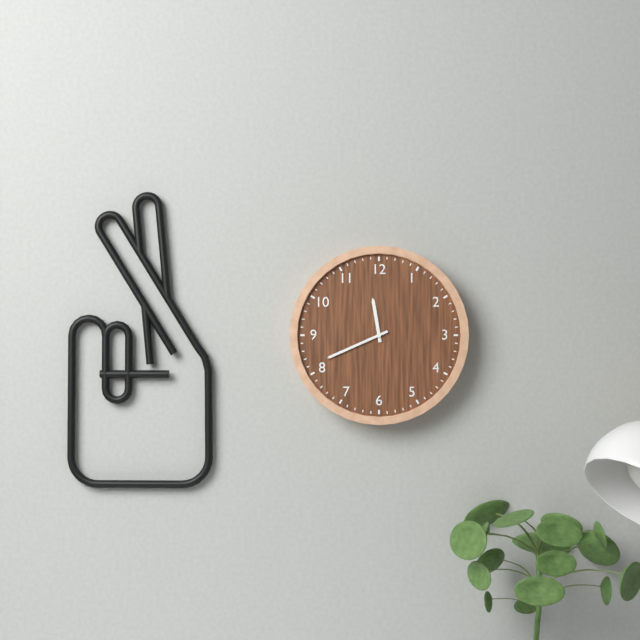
11:41
